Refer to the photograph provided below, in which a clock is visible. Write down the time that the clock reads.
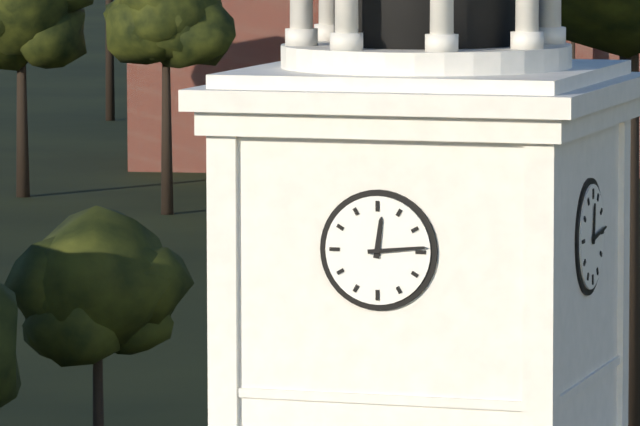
12:14
